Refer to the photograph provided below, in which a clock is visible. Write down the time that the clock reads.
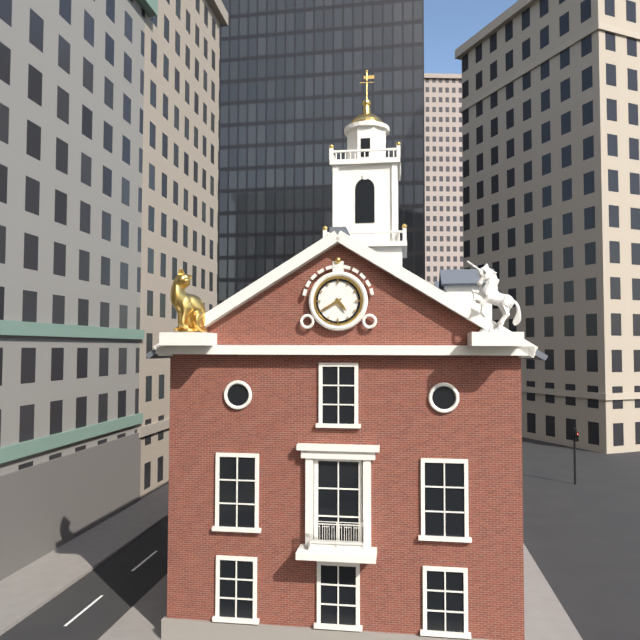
4:40
